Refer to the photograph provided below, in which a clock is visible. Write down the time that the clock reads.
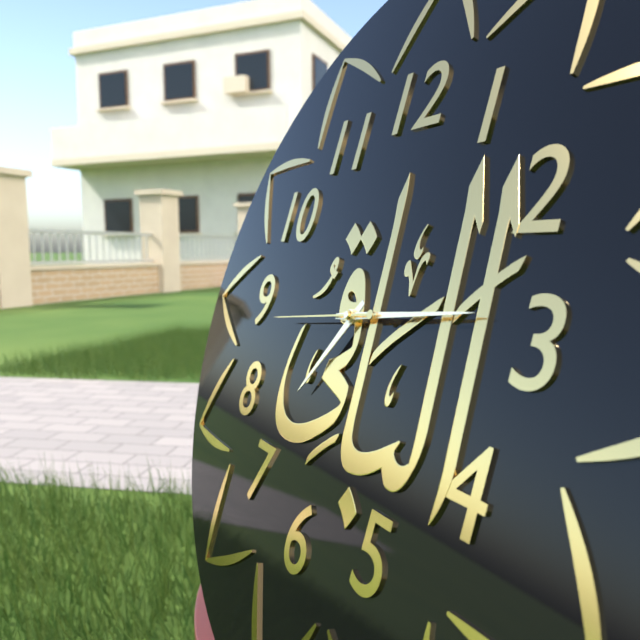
7:14:44
